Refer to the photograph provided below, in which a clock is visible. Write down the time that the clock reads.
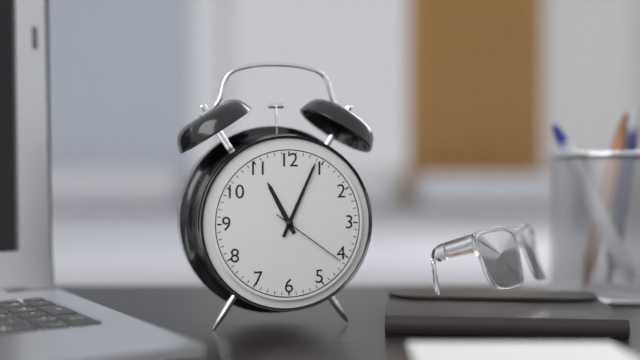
11:04:21
